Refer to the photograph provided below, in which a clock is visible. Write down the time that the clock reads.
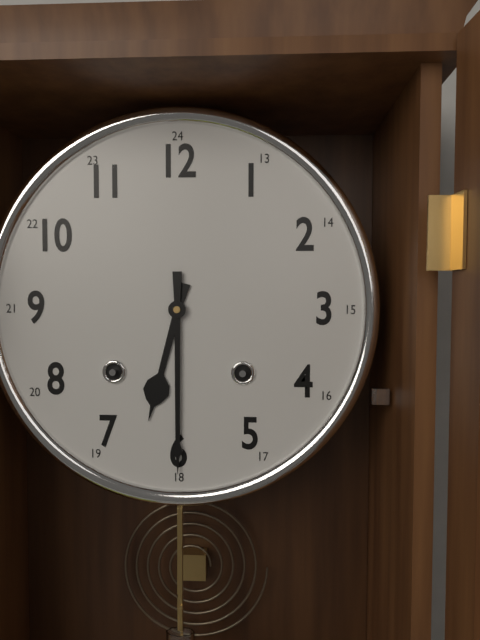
6:30
